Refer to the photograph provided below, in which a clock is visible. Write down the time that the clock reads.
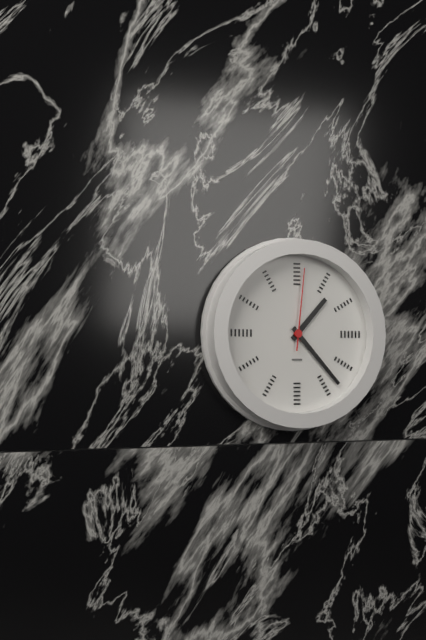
1:23:01
